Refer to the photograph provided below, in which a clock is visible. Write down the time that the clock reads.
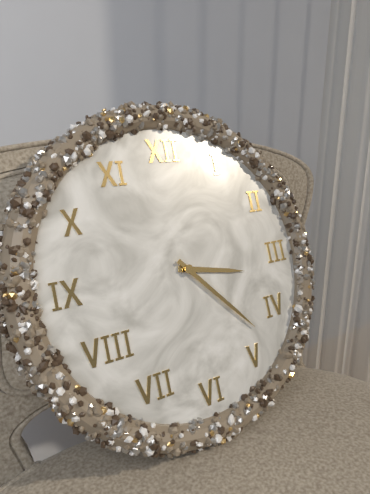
3:23
